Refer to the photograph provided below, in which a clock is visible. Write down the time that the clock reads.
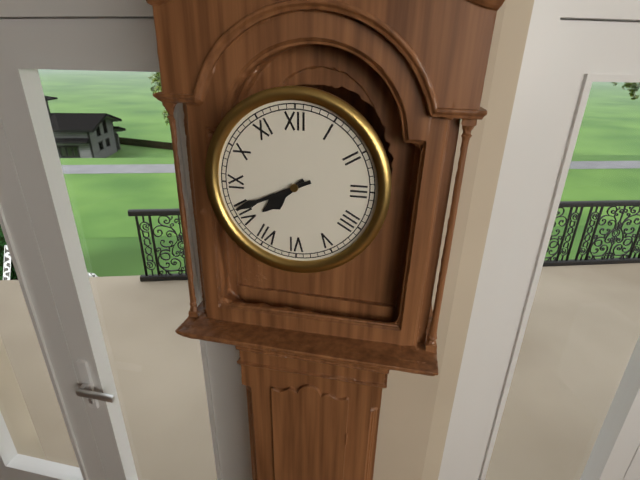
7:41
